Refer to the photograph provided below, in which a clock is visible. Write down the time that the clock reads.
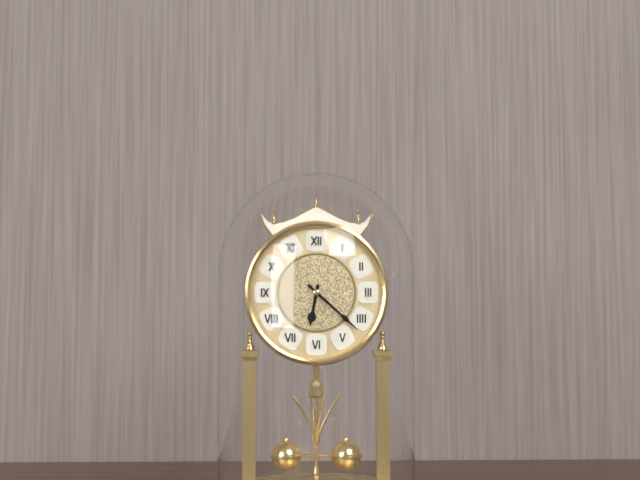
6:22
